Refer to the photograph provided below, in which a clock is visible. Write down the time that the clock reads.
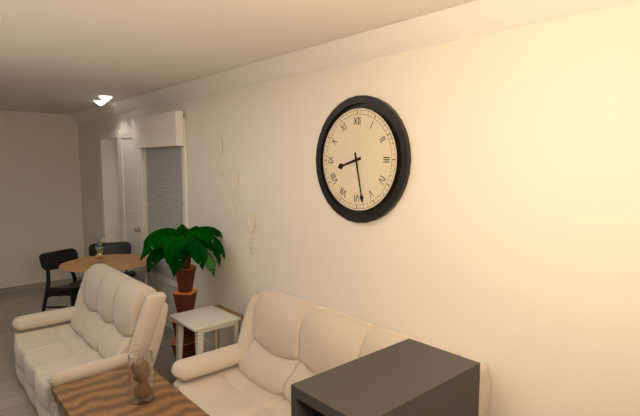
8:28
